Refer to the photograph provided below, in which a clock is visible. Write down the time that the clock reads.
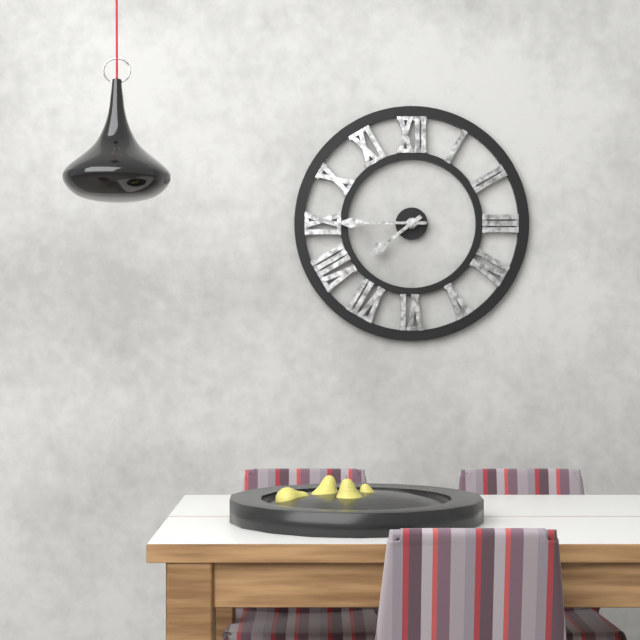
7:45
